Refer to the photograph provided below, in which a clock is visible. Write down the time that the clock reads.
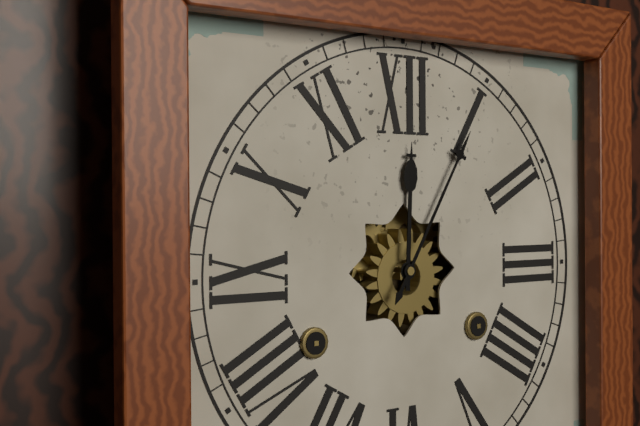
12:05
